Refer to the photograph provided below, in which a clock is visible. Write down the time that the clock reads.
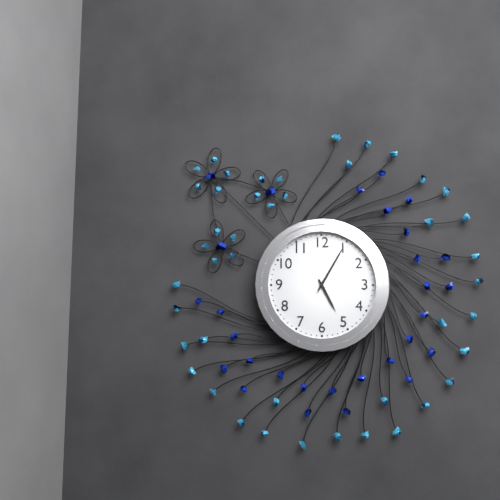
5:05
